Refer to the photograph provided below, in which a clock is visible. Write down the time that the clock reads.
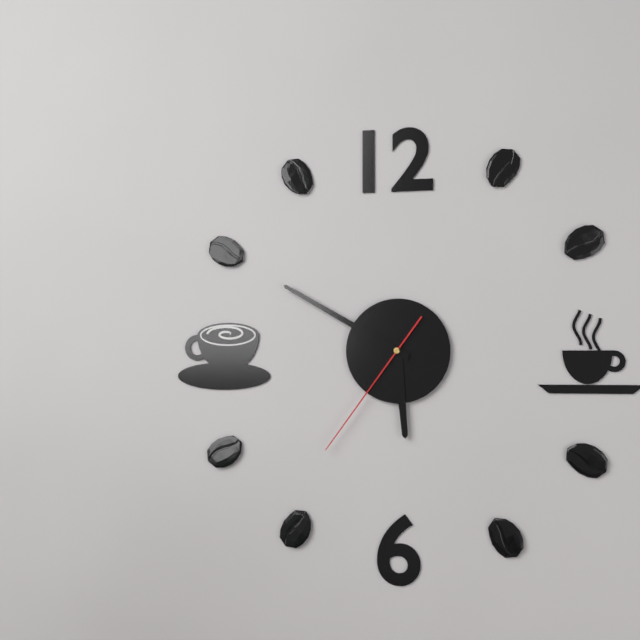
5:50:36
